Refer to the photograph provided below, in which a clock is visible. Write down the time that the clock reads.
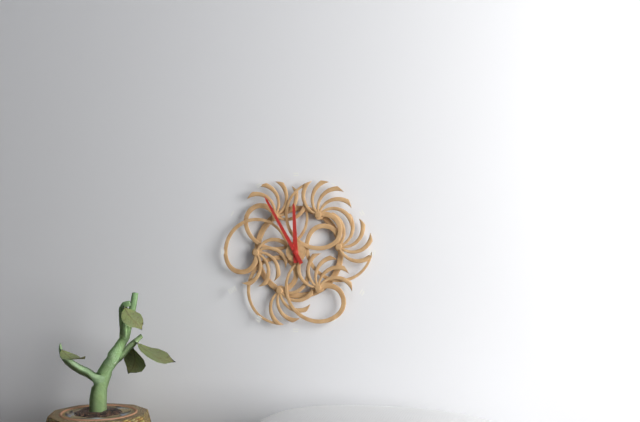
11:55
